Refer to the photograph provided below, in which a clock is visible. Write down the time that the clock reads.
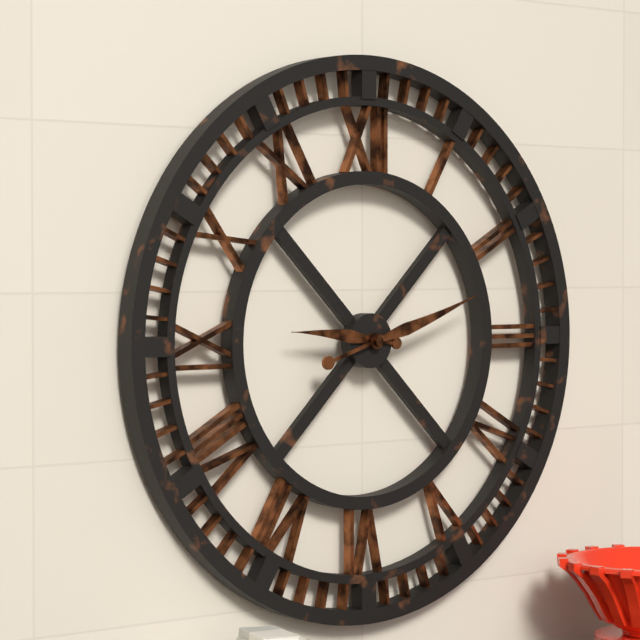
9:12
